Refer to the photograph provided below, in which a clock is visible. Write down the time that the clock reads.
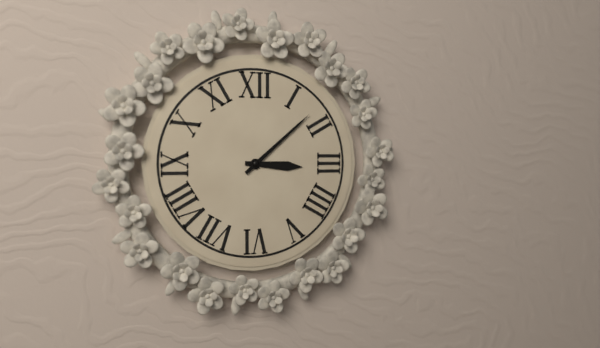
3:08
